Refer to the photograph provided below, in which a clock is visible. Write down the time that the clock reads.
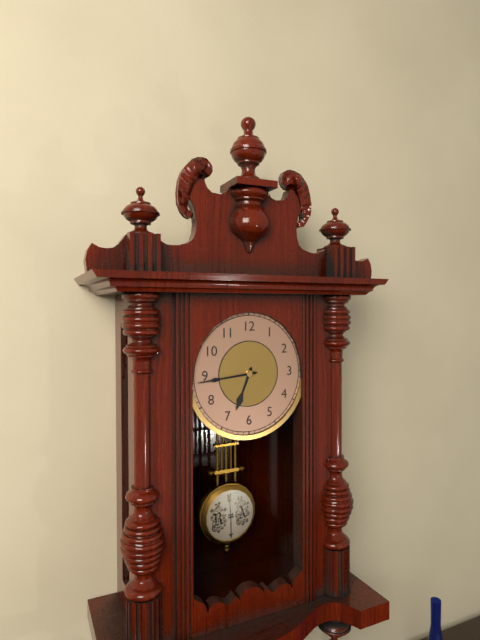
6:44
